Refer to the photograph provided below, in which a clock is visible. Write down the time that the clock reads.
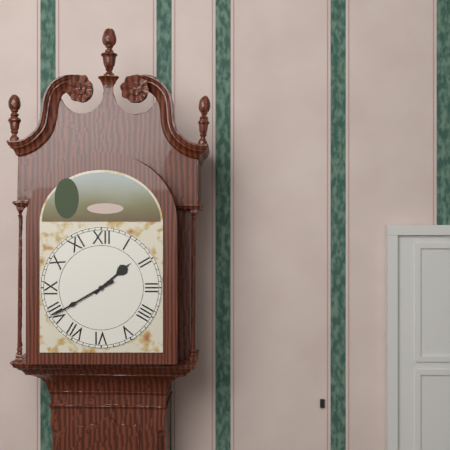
1:40
